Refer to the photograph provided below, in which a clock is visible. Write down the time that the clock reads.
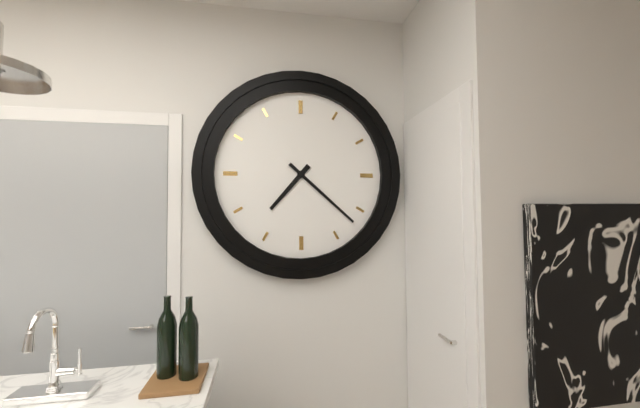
7:22
